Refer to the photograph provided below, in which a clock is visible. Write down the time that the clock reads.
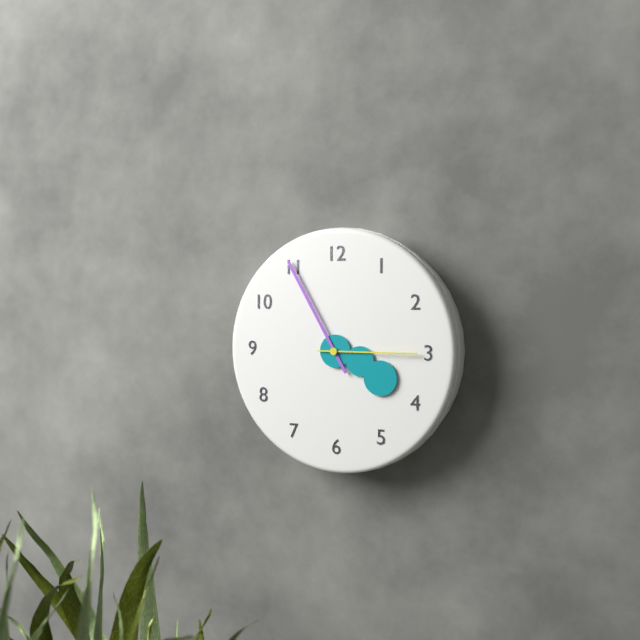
3:55:15
